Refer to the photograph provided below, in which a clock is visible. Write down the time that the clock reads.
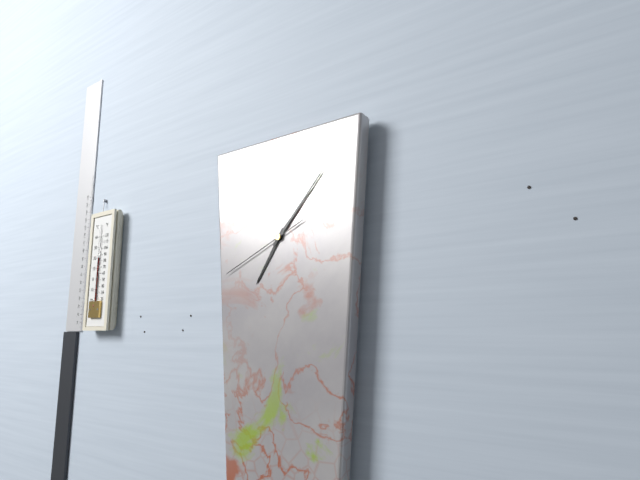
7:07:41
